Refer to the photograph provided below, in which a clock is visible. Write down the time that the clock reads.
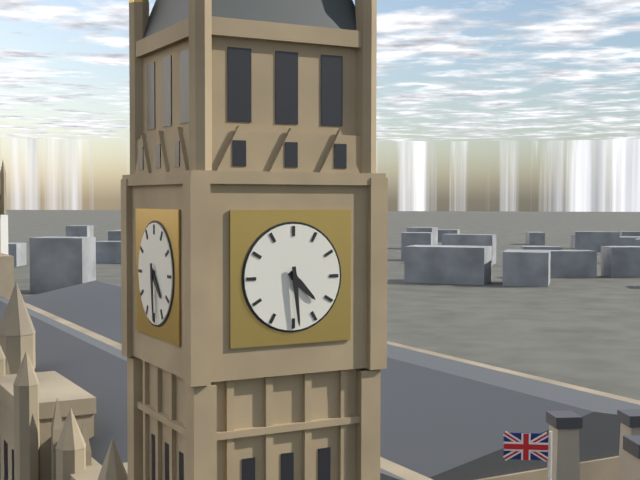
4:29
